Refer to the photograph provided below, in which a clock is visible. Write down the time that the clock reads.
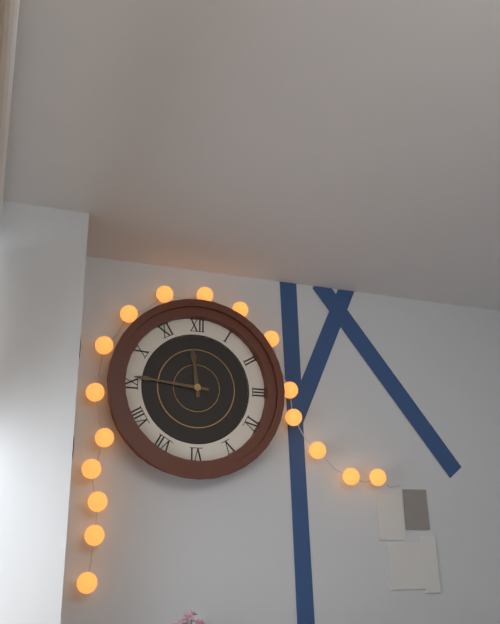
11:46
